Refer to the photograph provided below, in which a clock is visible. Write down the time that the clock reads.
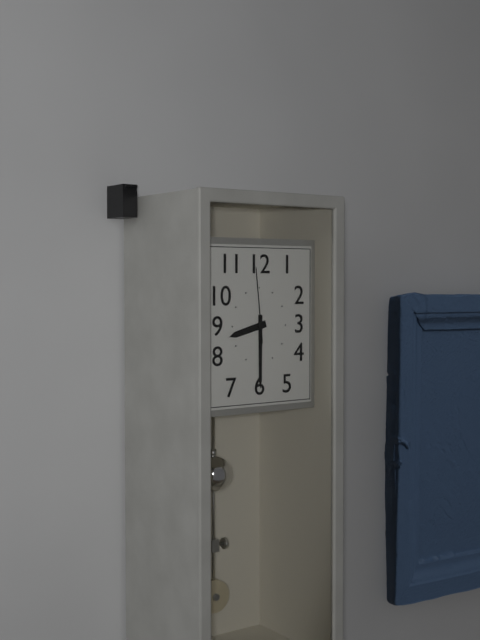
8:30:59
